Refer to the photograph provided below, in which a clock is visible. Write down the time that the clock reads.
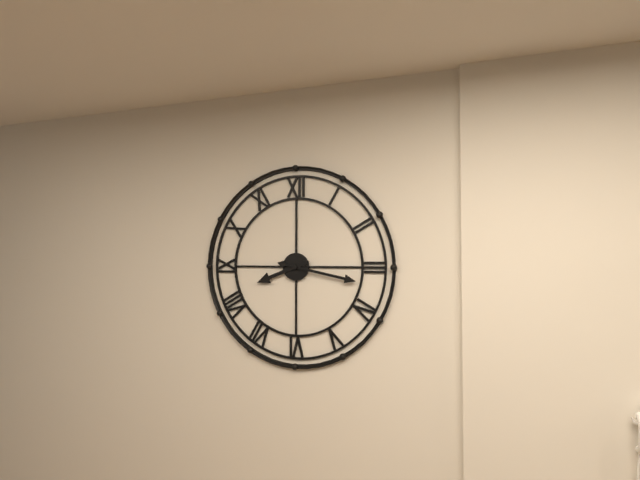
8:17
